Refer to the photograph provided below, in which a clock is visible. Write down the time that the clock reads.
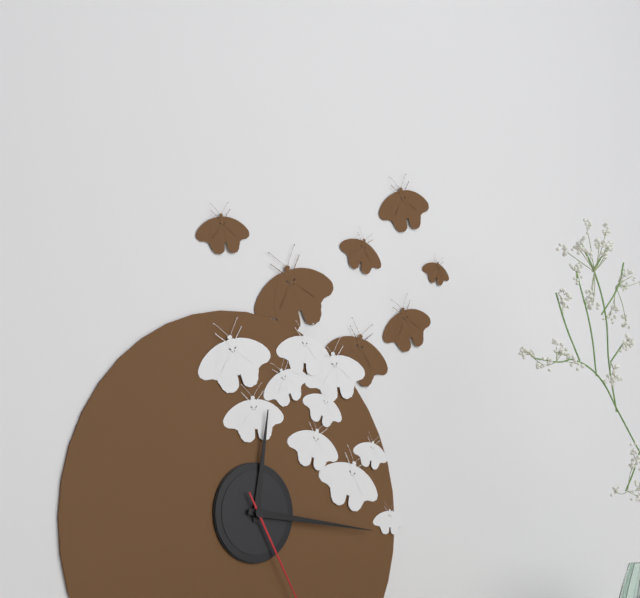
12:16
